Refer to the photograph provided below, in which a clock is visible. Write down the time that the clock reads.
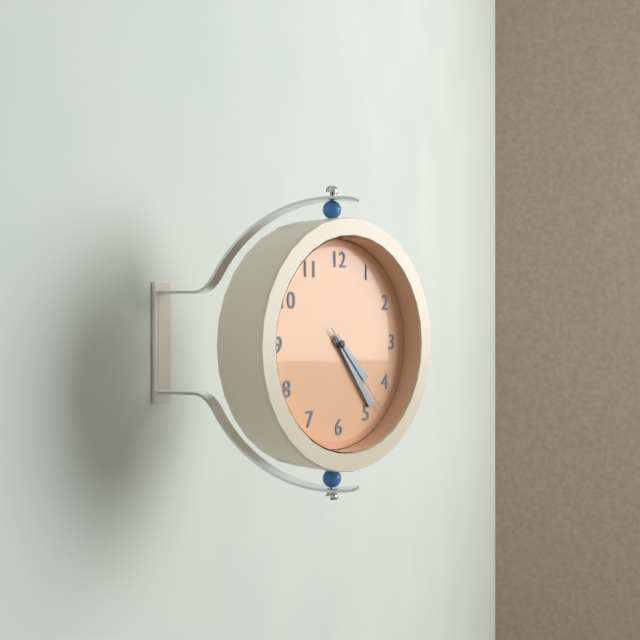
4:24:23
